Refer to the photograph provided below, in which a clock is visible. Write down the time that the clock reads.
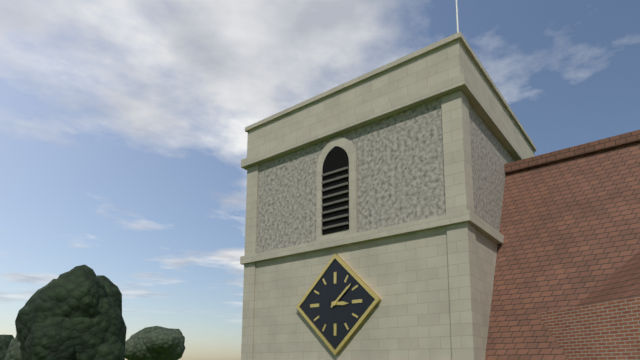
3:08
